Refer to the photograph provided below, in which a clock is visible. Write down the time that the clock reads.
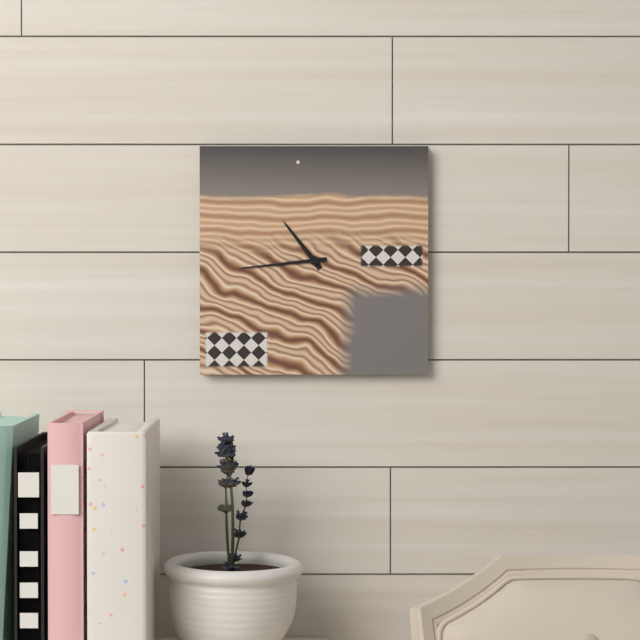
10:44
